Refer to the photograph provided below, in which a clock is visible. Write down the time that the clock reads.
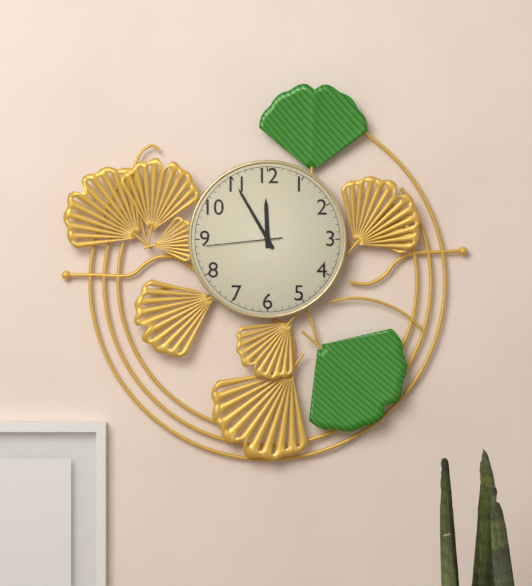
11:55:44
